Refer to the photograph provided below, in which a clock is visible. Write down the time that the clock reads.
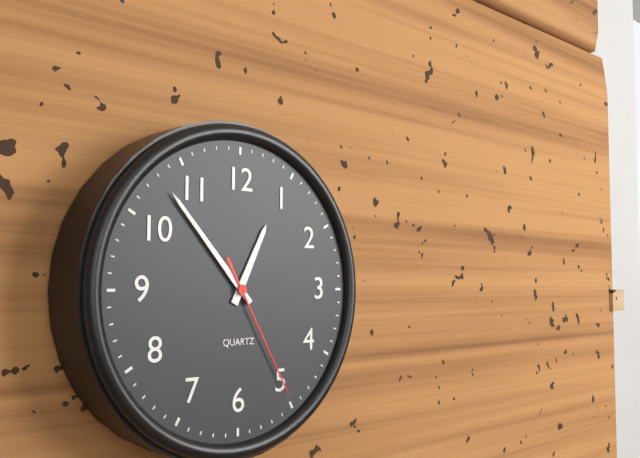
12:53:25
